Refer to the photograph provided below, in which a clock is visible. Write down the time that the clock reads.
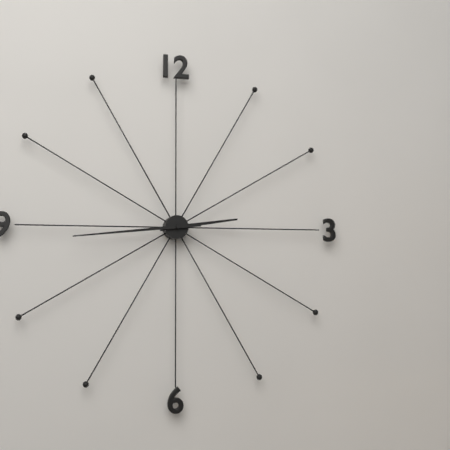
2:44
